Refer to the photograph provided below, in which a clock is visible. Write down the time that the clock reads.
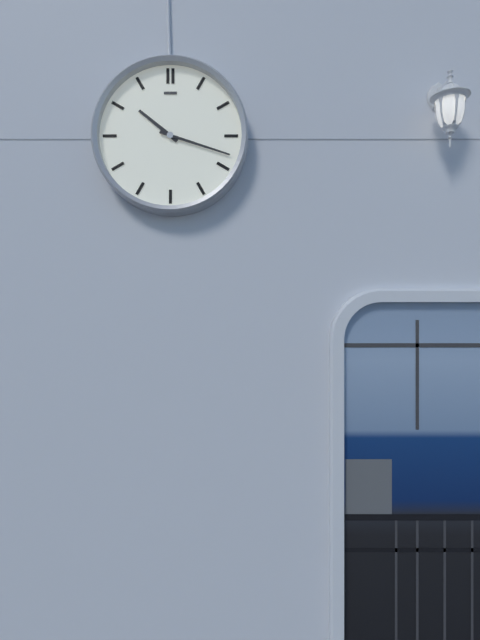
10:18
